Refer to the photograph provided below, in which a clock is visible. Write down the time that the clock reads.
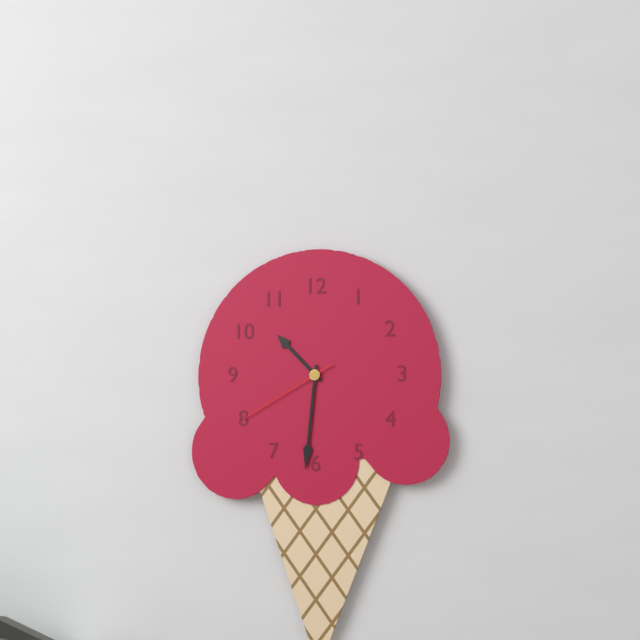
10:31:40
